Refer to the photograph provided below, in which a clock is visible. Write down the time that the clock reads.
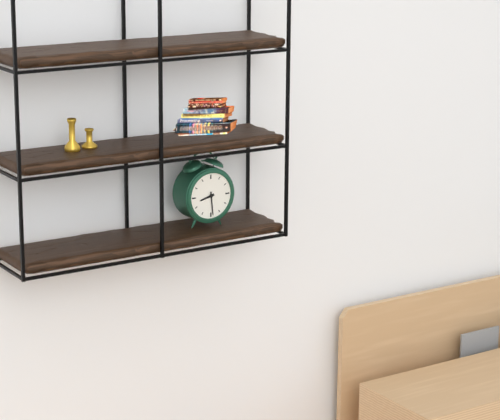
8:29
